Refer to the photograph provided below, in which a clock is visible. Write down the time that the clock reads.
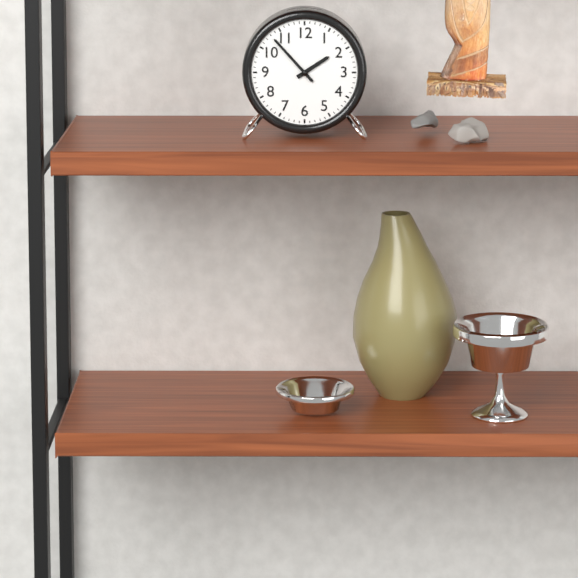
1:53
